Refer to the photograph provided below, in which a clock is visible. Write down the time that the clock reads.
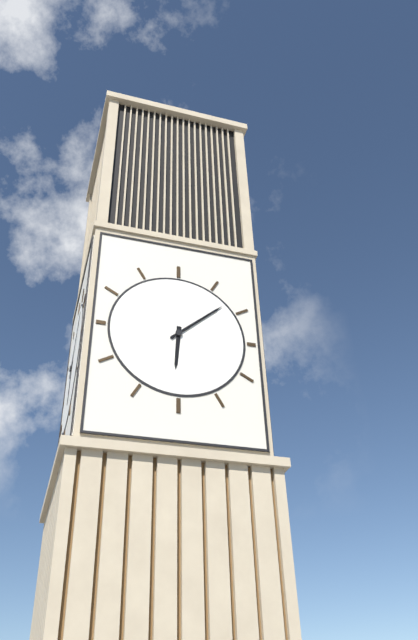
6:08
